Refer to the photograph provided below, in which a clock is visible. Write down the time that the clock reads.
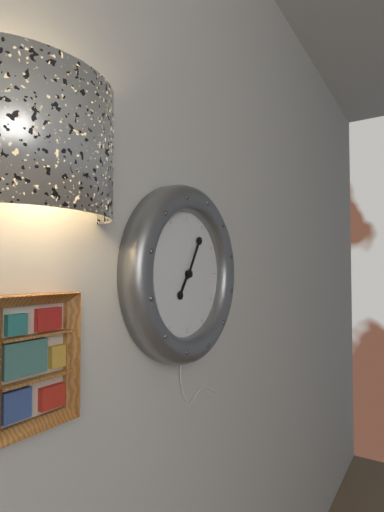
7:05
